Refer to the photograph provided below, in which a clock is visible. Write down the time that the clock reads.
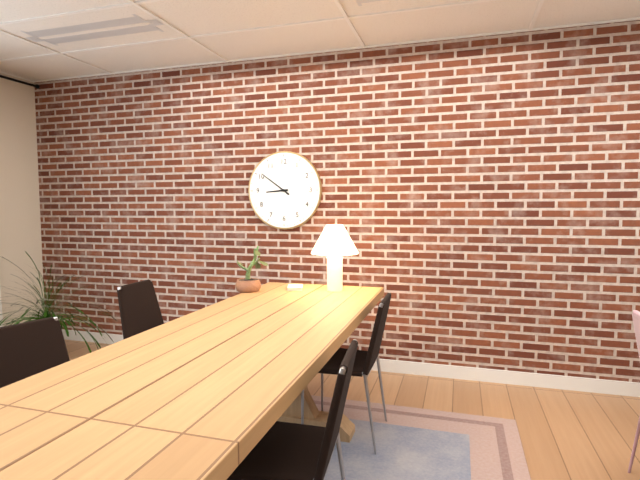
8:51
